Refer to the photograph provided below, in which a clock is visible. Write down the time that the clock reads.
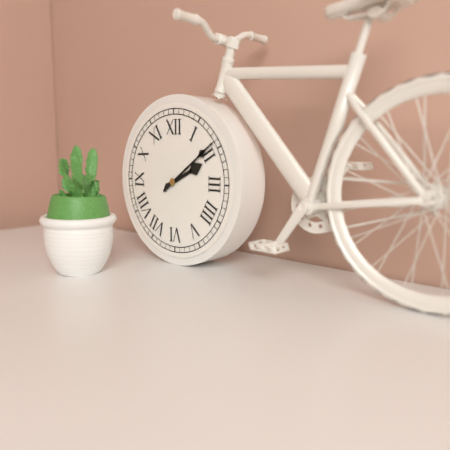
2:09
